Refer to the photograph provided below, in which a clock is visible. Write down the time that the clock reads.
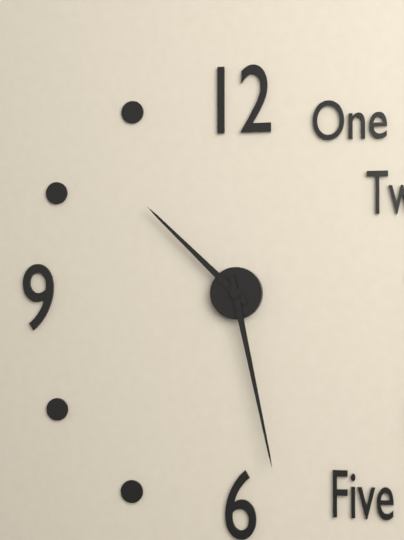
10:28
